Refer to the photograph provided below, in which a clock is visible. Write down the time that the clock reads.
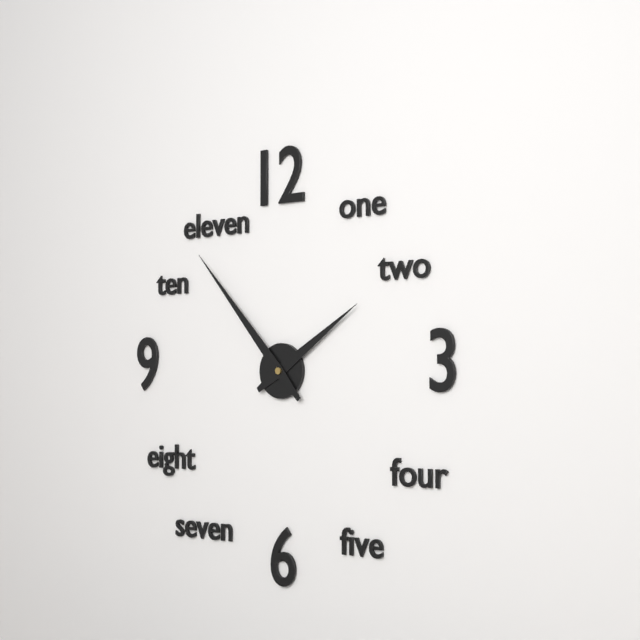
1:53
